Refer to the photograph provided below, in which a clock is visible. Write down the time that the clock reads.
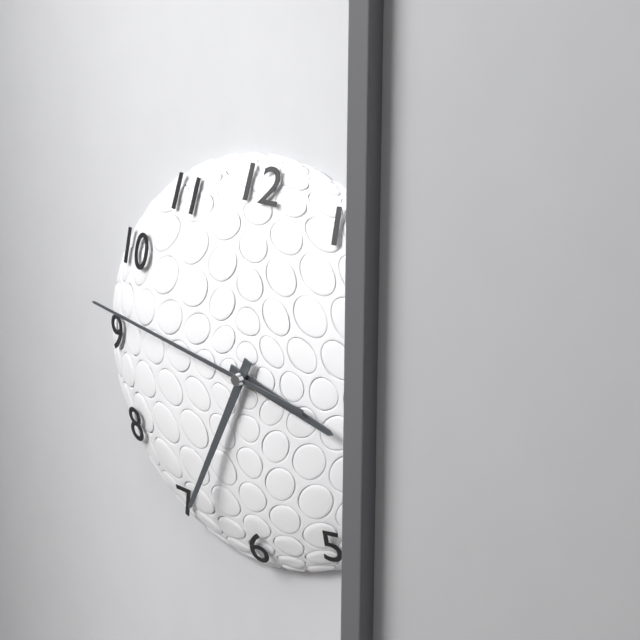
3:34:47
